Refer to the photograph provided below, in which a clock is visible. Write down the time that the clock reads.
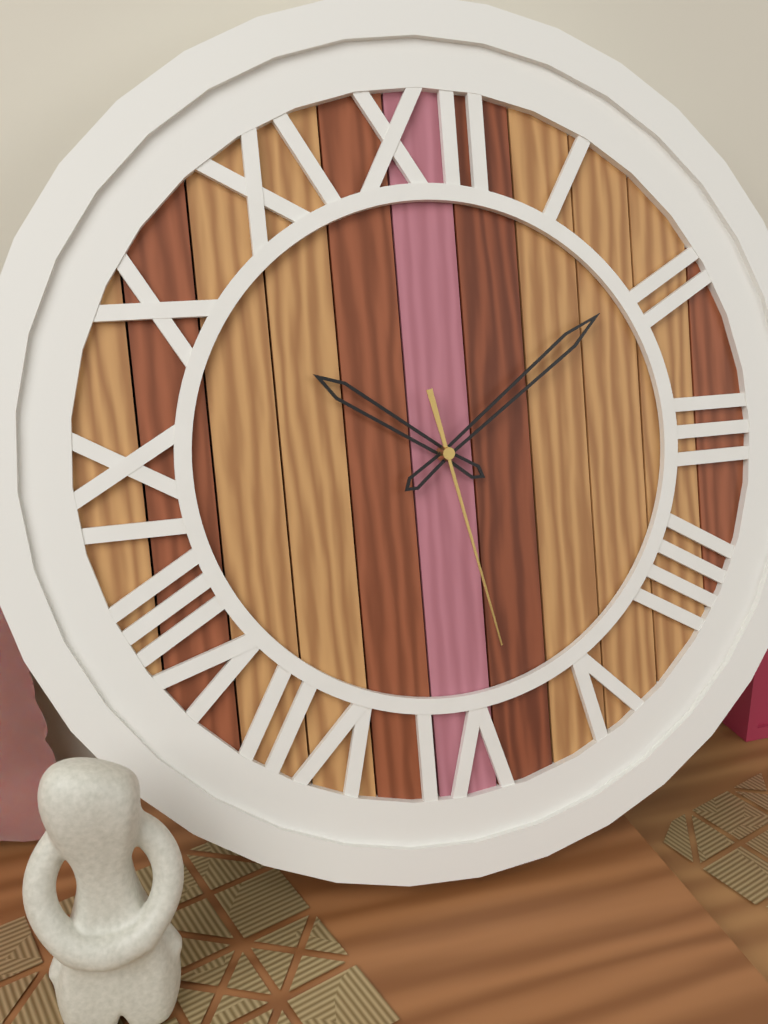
10:09:28
